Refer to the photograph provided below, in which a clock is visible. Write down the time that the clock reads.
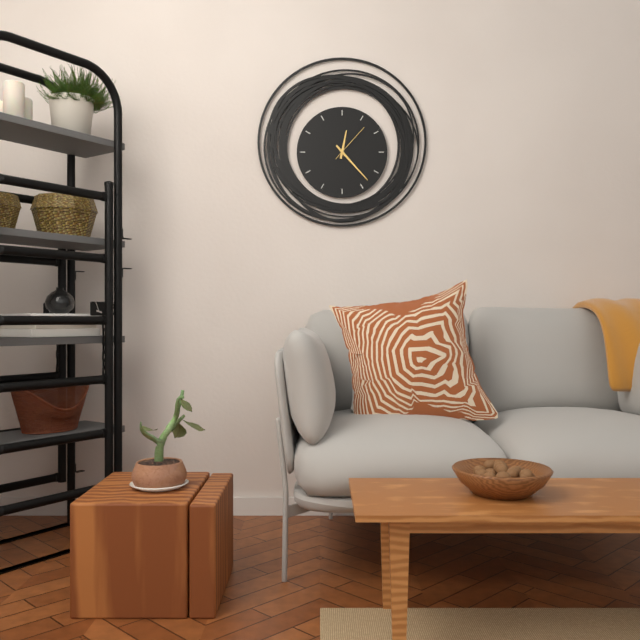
12:23
